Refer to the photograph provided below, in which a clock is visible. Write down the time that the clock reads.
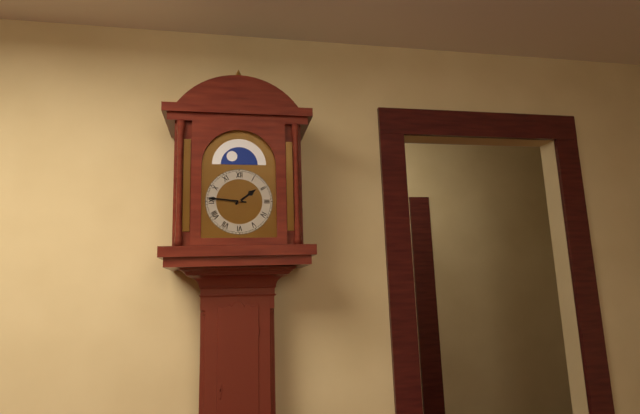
1:46
